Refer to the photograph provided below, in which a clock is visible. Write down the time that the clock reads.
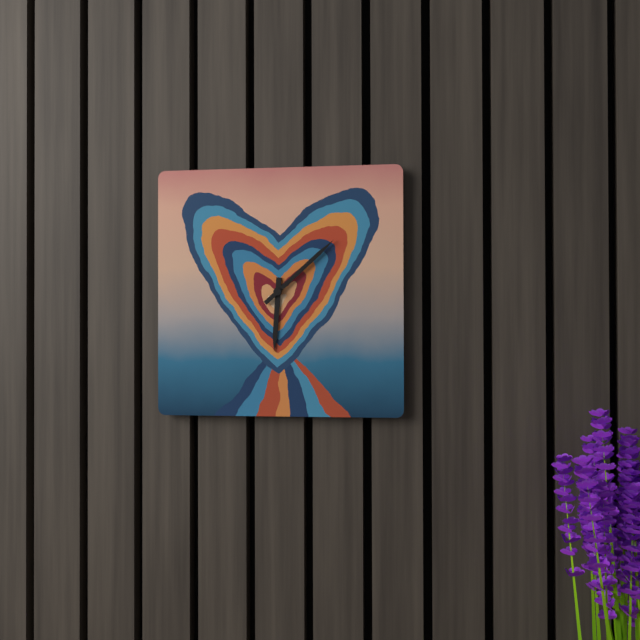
6:08
